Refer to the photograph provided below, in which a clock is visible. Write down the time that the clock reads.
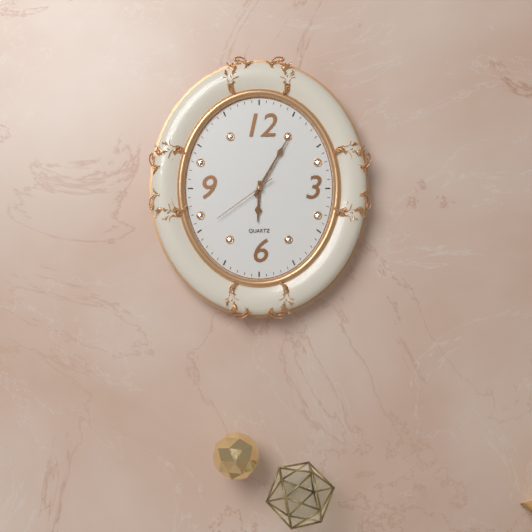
6:05:39
